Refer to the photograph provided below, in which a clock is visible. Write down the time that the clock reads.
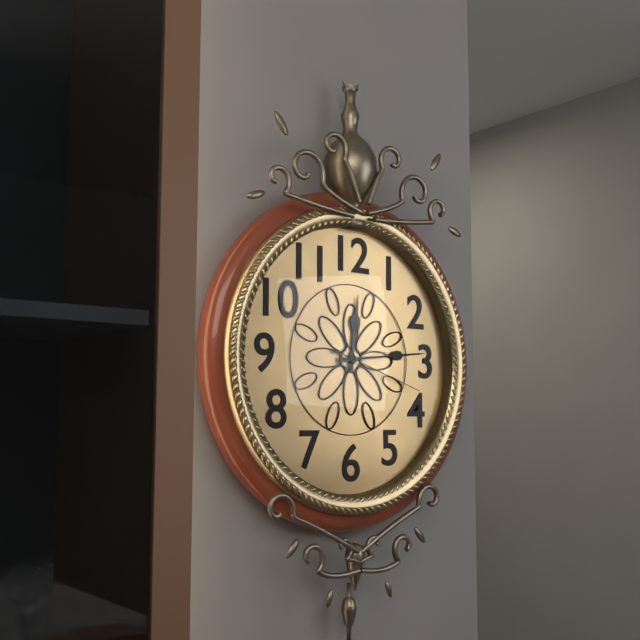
12:14:18
